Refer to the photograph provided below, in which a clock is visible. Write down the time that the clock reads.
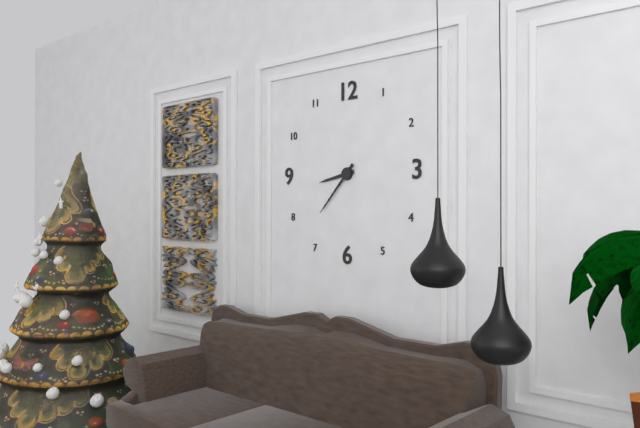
8:37
